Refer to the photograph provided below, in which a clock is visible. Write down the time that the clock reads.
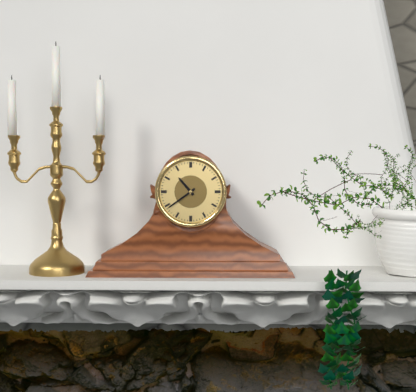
10:39
